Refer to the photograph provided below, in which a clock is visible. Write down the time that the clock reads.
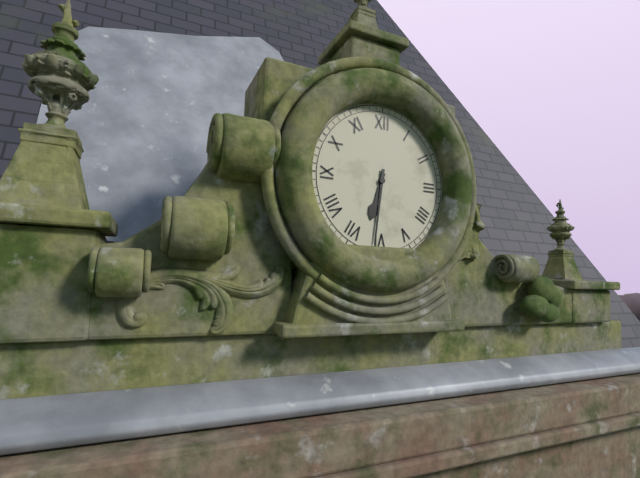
6:31
